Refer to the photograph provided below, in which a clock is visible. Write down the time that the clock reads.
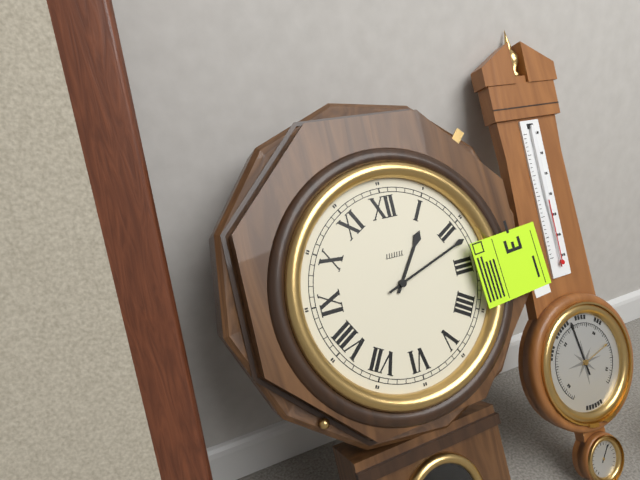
1:12
